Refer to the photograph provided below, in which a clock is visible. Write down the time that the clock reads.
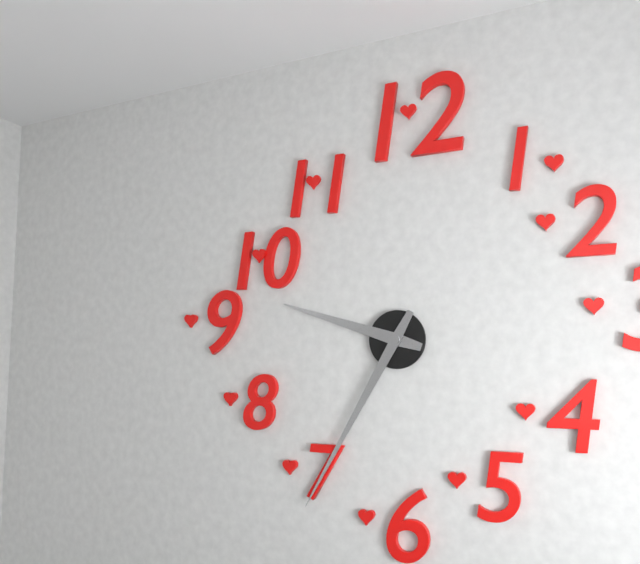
9:35
